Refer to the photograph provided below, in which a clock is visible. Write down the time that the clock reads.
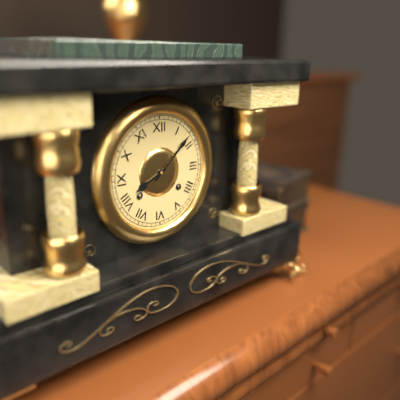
8:08
